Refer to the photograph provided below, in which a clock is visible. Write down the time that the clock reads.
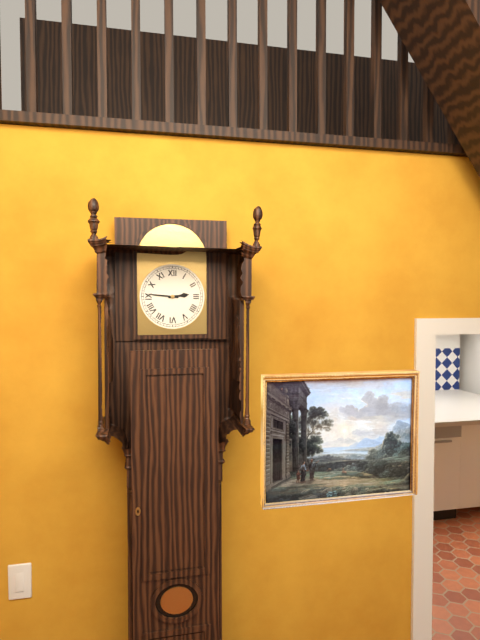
2:46
